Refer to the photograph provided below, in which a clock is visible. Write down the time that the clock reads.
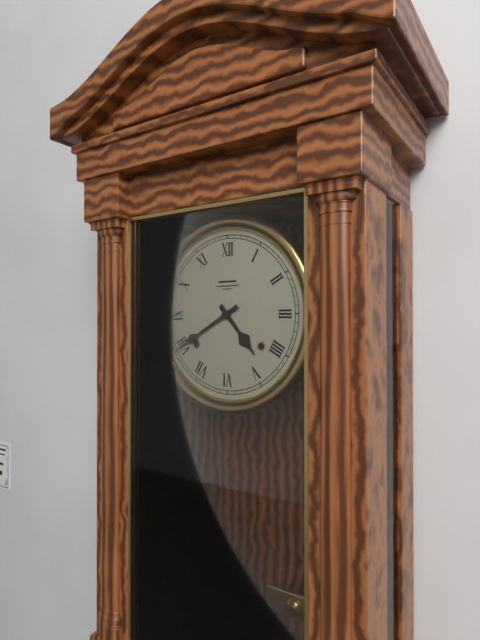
4:40
